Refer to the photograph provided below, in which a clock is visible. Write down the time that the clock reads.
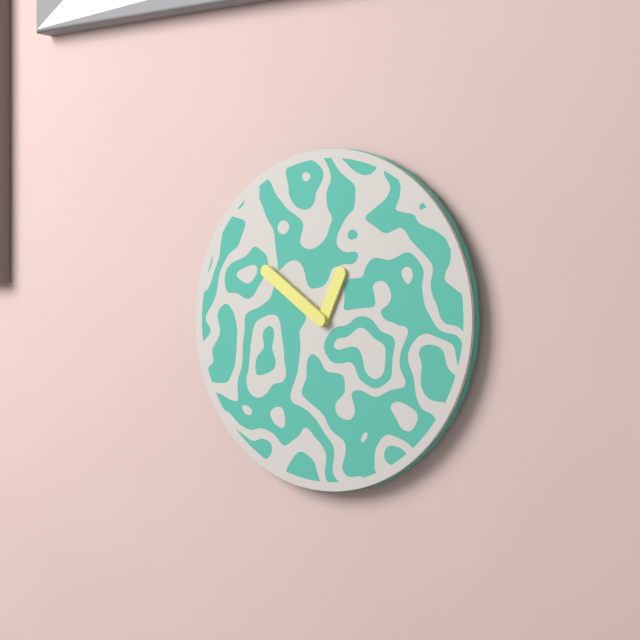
12:51
